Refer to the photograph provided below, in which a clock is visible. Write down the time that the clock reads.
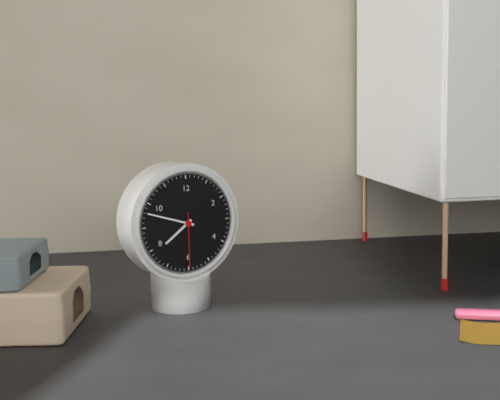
7:48:30
